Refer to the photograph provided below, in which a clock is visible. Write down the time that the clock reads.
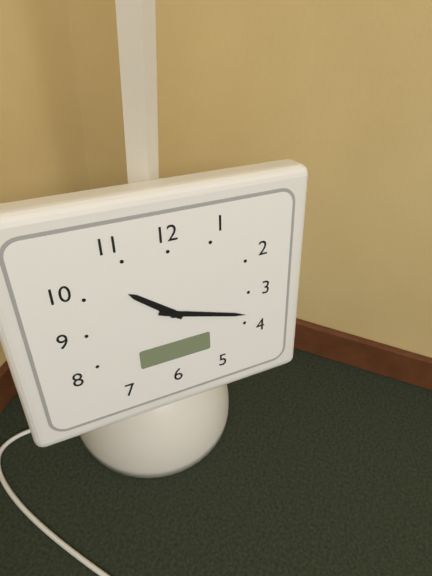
10:18
